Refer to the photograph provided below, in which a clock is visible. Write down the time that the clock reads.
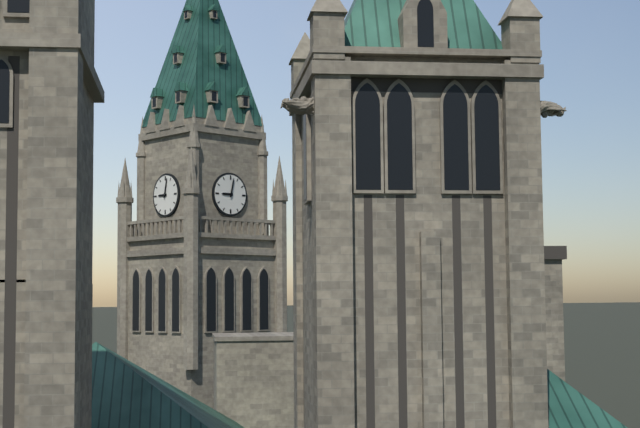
9:02
